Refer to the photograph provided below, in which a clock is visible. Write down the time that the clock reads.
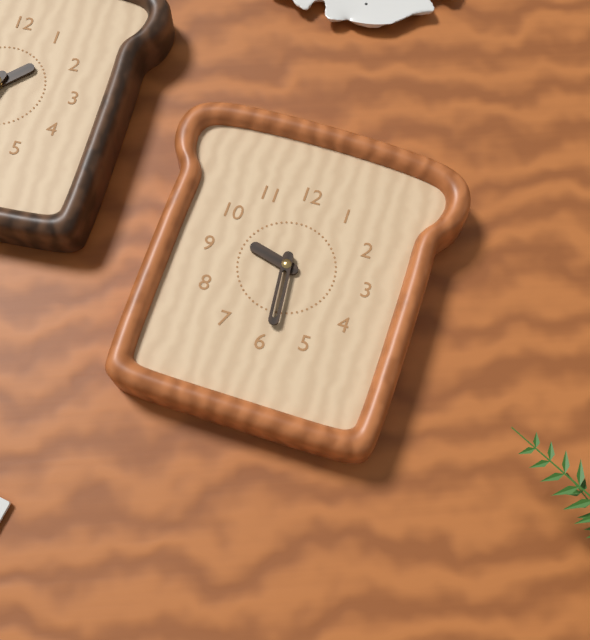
9:29
